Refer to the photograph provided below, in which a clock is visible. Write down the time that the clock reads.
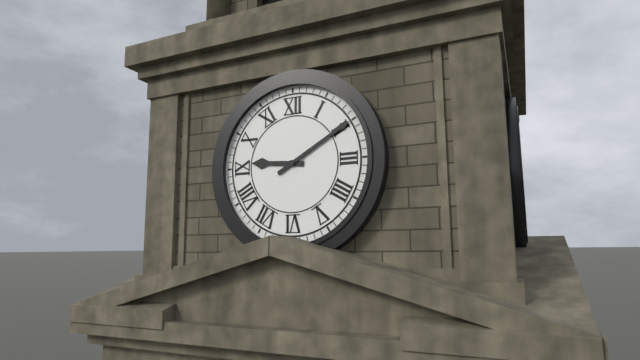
9:10
